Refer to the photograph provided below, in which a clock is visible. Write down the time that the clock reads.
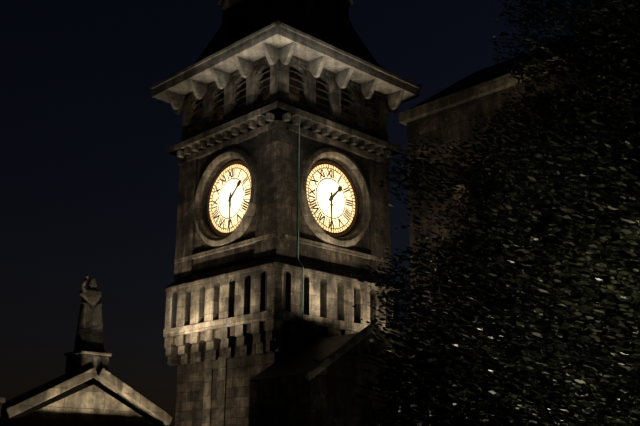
1:30
